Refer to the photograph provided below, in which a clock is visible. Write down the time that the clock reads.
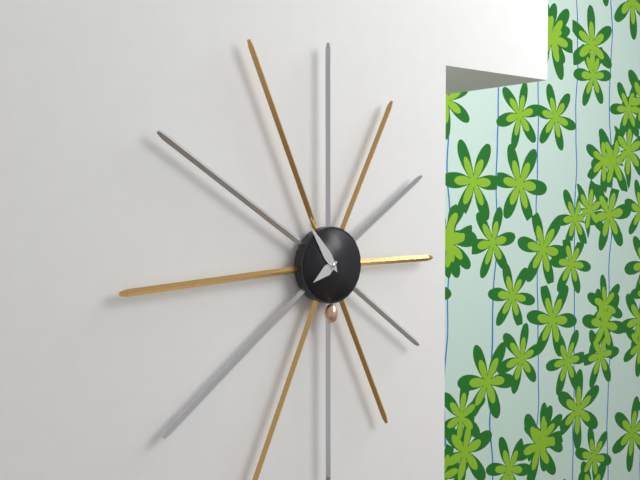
7:54
